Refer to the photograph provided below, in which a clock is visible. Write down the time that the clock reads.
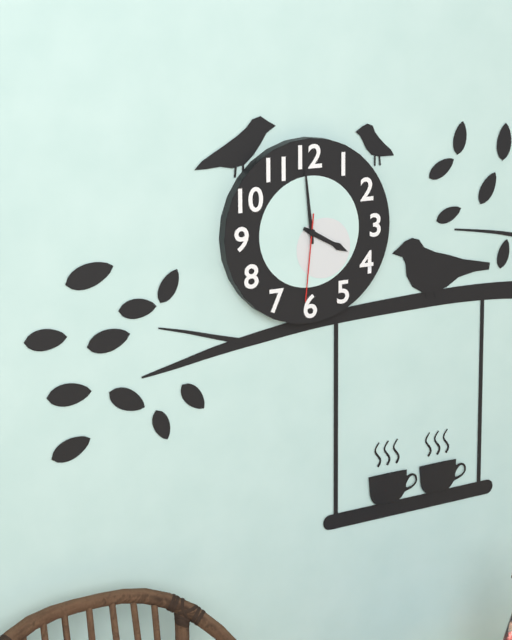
3:59:31
